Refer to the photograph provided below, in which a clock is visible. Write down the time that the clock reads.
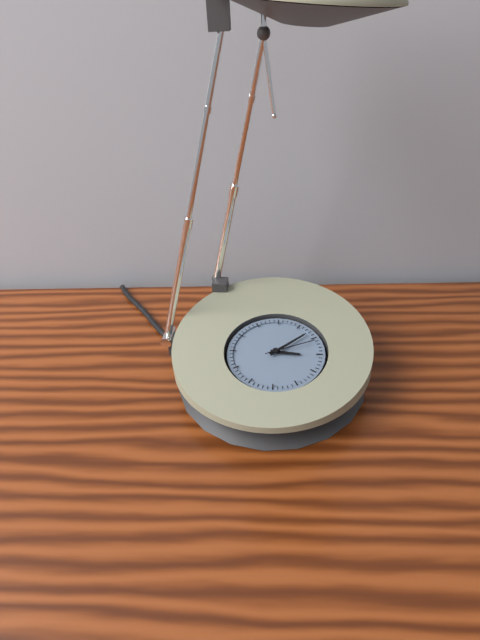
3:08:11
